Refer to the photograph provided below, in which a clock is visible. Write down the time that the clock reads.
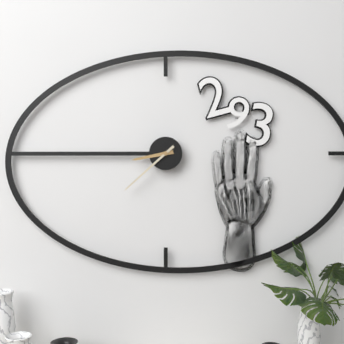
8:38
